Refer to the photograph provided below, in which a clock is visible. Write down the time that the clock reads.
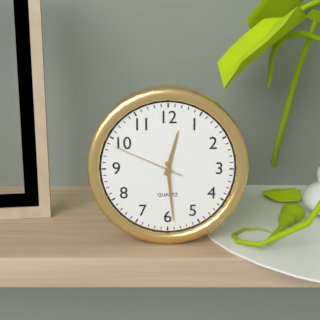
12:29:49
